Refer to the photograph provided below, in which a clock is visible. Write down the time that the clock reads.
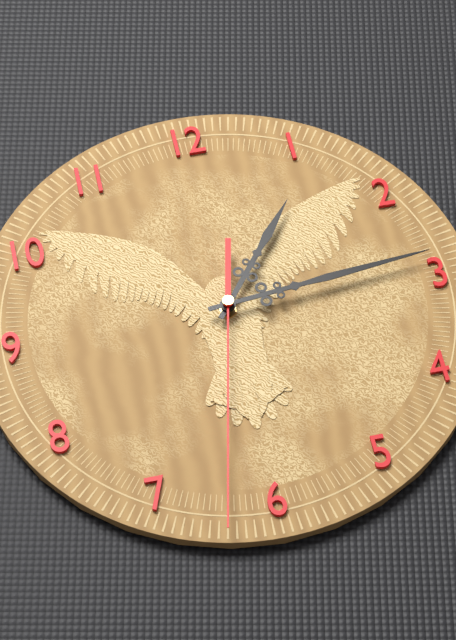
1:14:32
